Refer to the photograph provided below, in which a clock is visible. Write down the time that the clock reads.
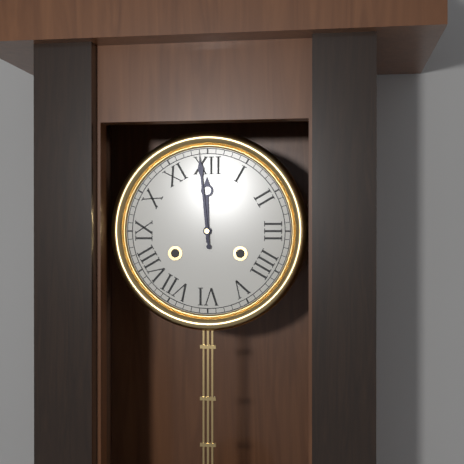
11:59
